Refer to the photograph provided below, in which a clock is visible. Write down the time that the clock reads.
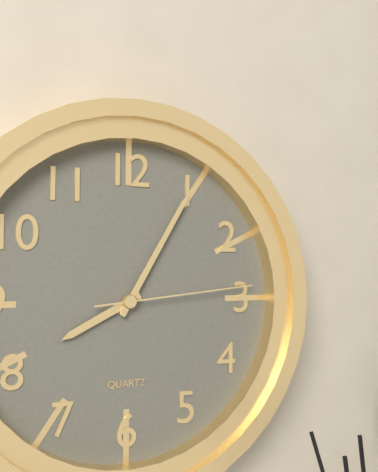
8:05:14
